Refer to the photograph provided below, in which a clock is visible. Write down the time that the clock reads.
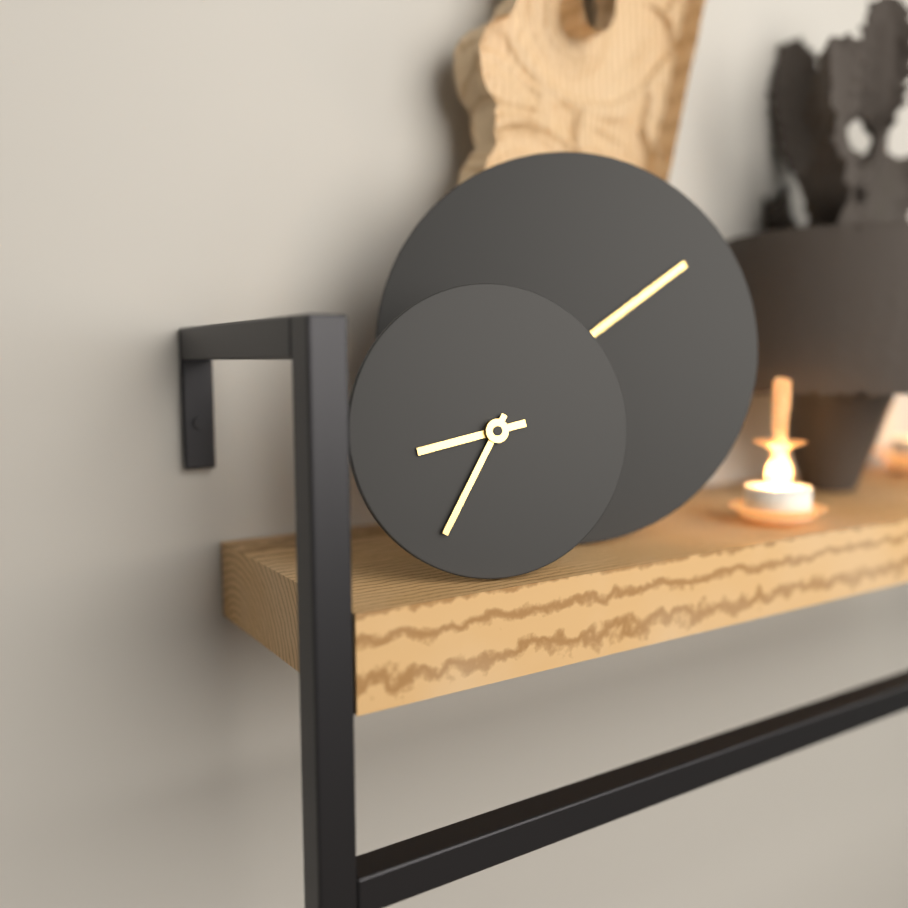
8:35
